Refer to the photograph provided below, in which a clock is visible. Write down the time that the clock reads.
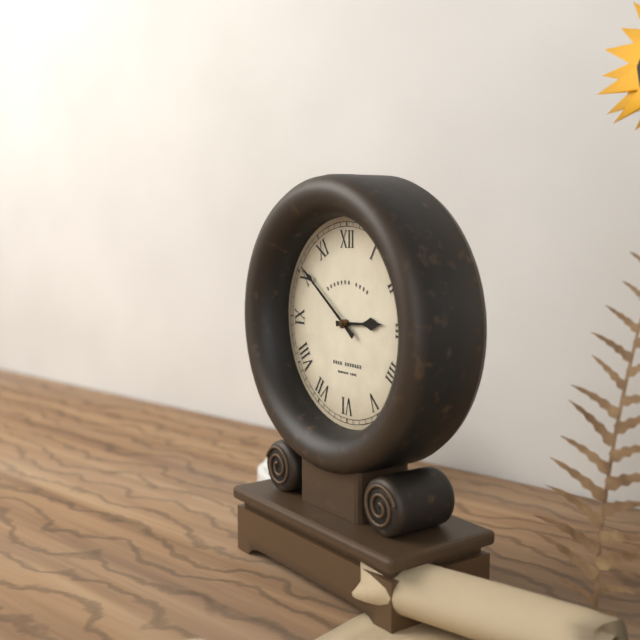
2:51
